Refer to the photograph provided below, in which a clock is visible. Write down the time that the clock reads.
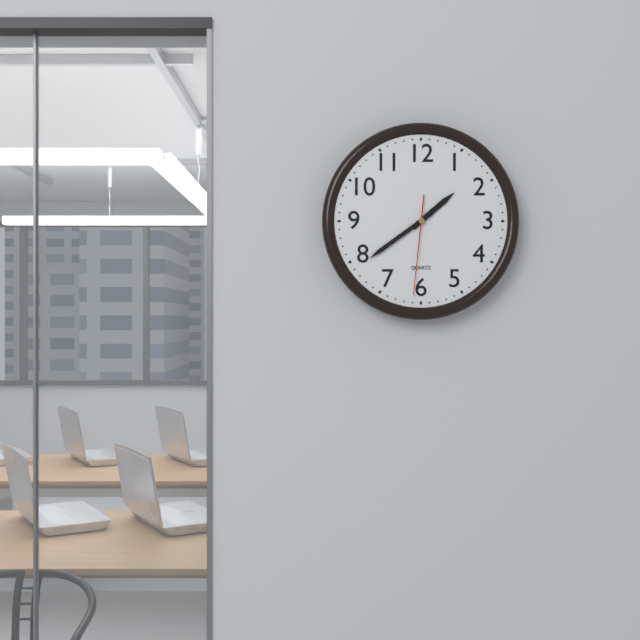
1:39:31
